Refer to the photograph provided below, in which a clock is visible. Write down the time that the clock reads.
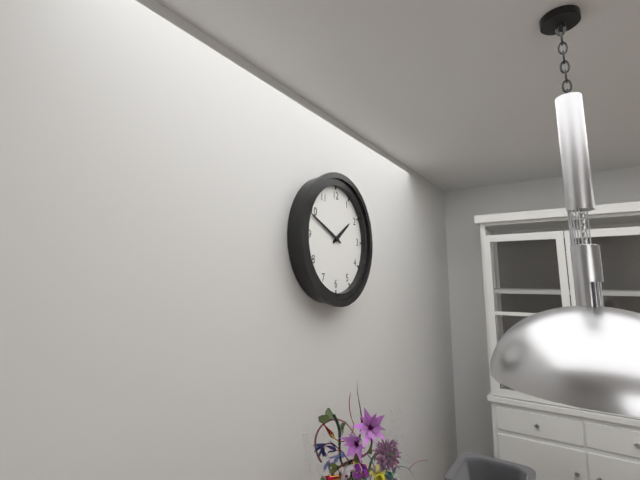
1:49
